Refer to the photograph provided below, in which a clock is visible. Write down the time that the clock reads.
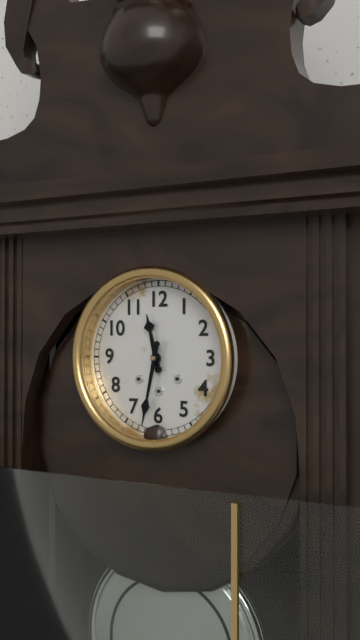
11:32
